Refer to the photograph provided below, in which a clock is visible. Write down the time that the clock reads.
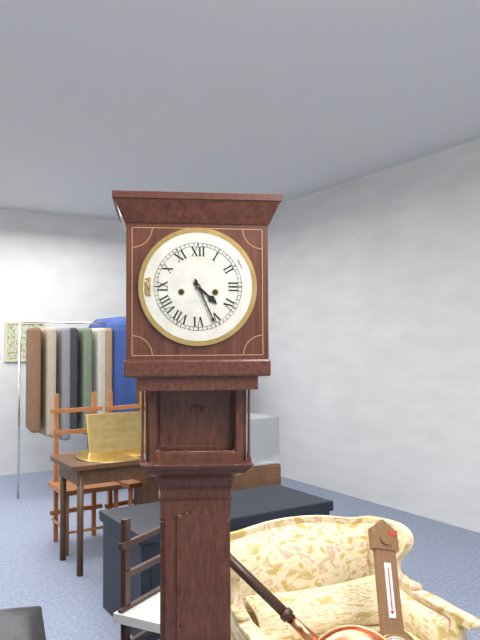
4:26
